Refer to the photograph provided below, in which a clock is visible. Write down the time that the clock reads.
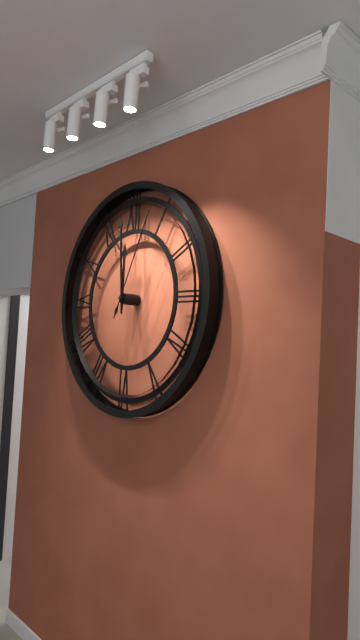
11:59:04
